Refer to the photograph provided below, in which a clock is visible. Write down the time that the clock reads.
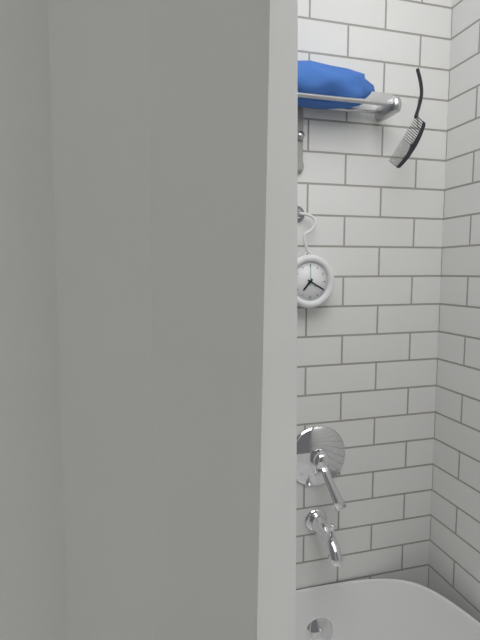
7:20
